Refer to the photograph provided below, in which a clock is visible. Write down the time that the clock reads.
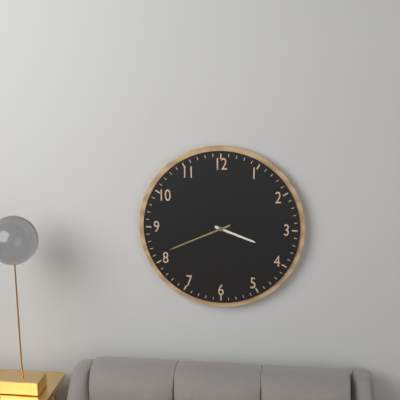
3:41
